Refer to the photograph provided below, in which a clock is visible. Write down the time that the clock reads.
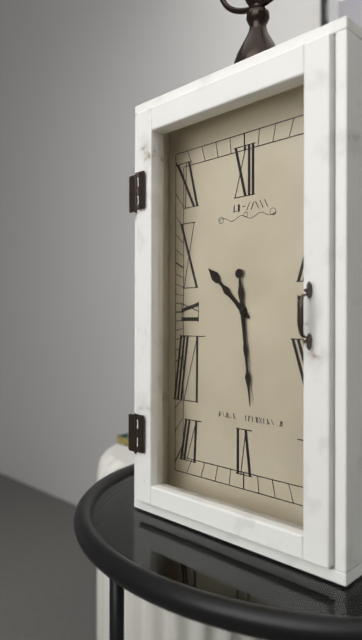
10:29
